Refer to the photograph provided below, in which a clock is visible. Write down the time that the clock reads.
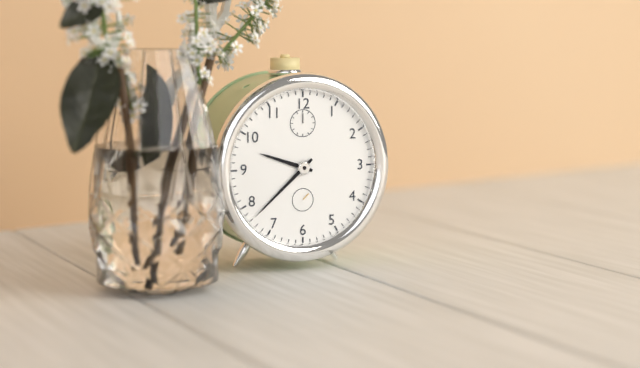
9:38
